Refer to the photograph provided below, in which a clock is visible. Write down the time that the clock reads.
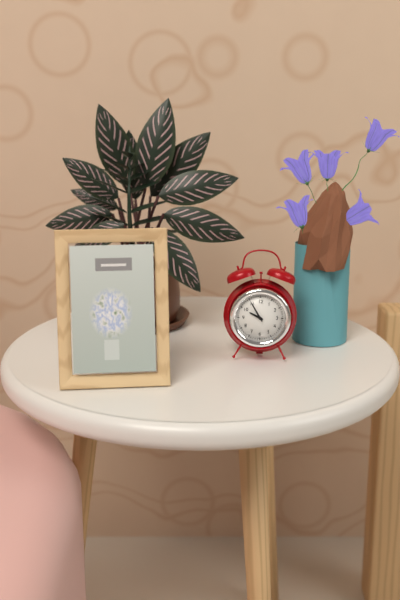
9:55
